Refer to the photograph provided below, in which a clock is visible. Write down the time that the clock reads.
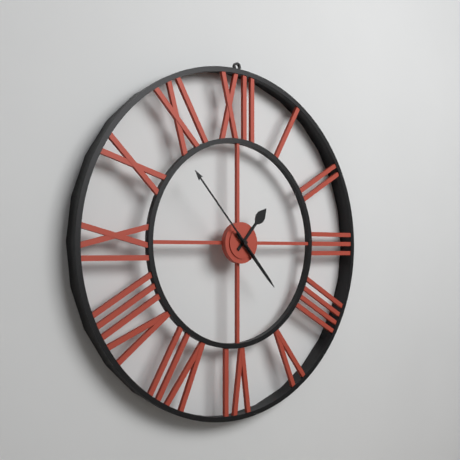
1:23:53
